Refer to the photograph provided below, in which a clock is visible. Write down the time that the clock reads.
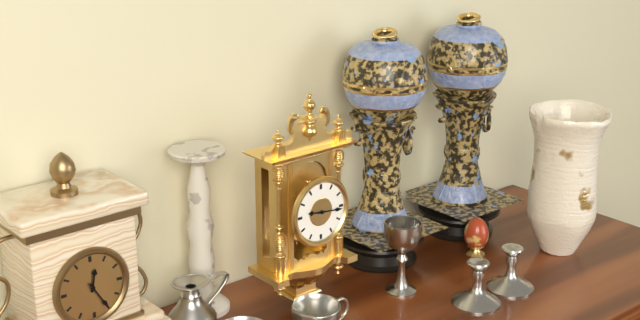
9:16
